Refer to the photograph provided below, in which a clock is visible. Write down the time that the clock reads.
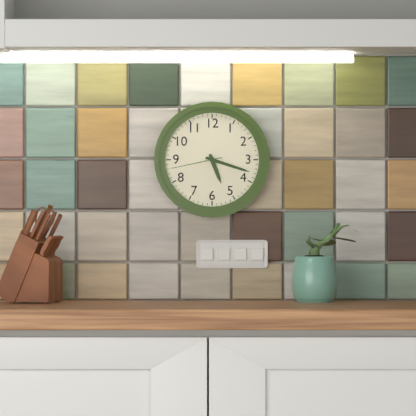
5:18:43
